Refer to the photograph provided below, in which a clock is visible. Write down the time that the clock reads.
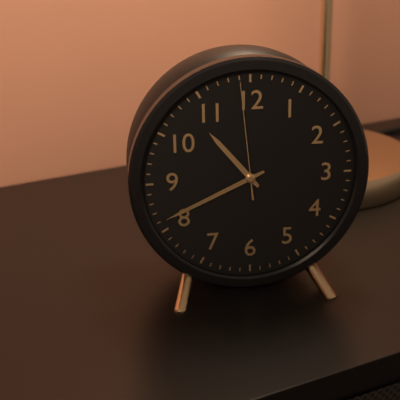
10:41:59
